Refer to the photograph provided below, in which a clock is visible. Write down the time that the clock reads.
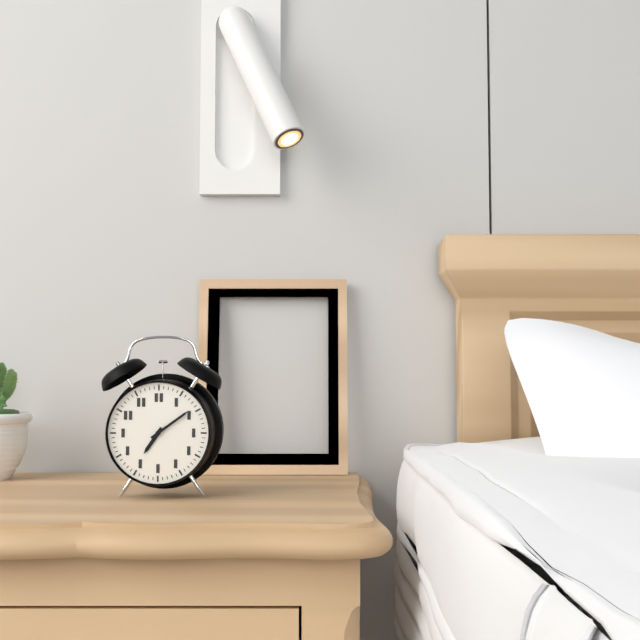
7:09
